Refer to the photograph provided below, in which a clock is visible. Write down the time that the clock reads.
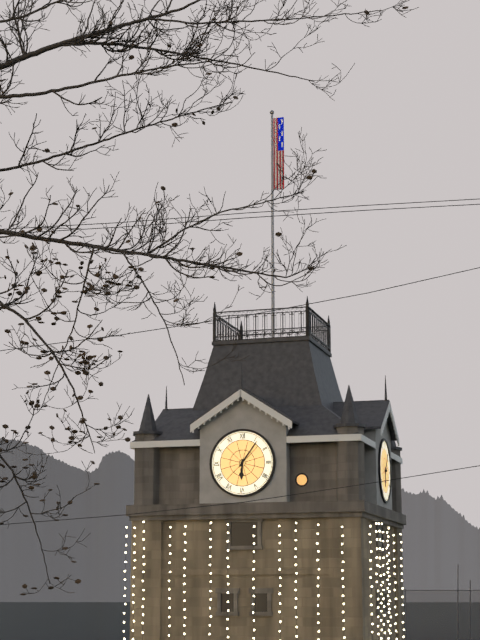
6:06
